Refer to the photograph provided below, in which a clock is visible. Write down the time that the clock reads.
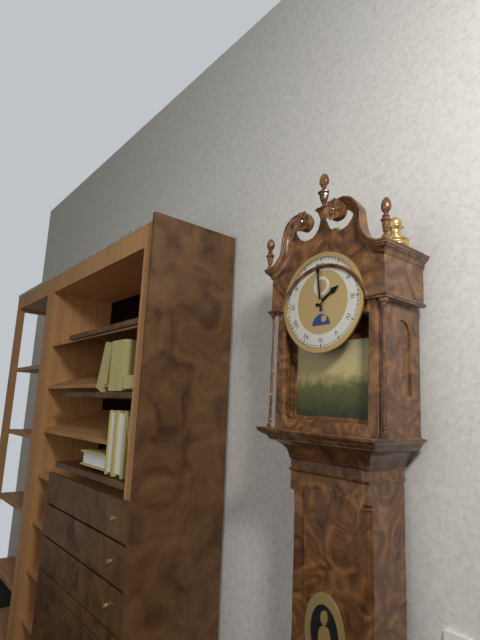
1:59
